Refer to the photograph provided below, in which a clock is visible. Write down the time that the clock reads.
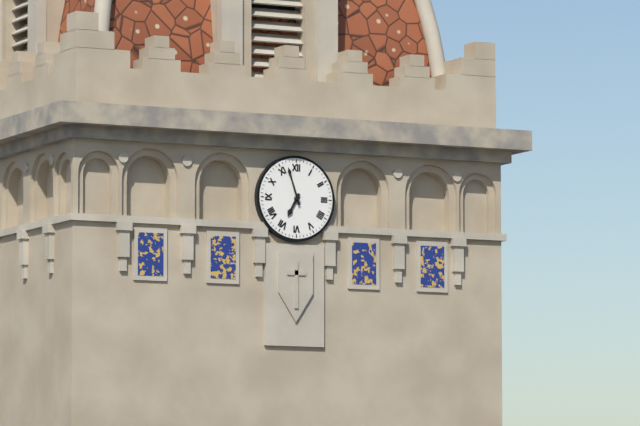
6:57
